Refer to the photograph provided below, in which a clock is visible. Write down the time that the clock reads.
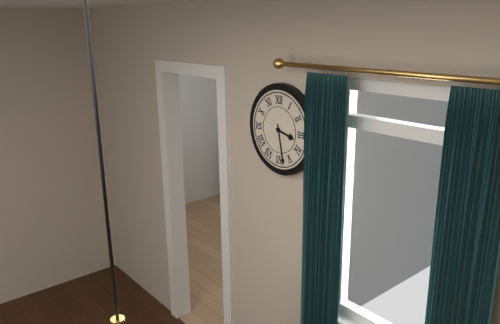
3:28
